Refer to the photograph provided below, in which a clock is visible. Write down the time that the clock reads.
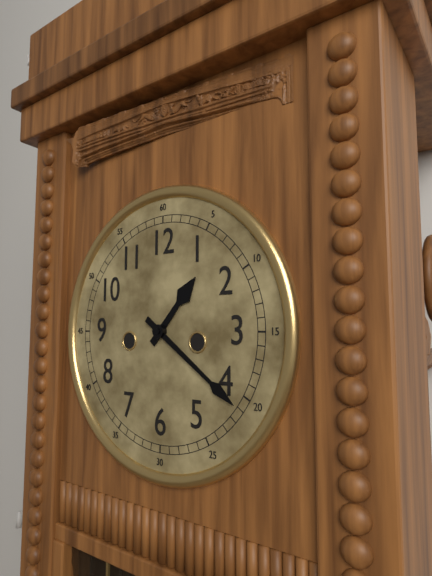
1:21
